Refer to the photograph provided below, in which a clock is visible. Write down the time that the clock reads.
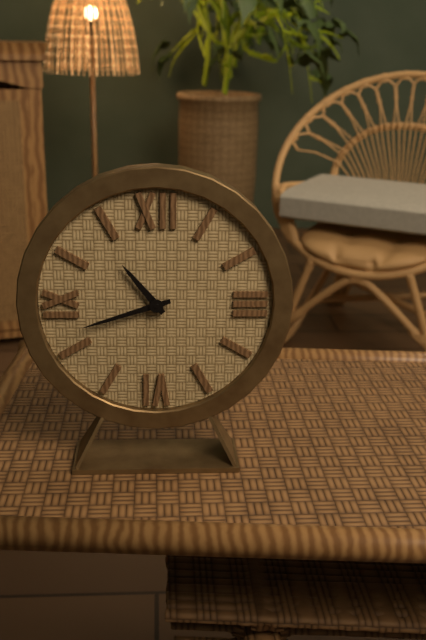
10:42
